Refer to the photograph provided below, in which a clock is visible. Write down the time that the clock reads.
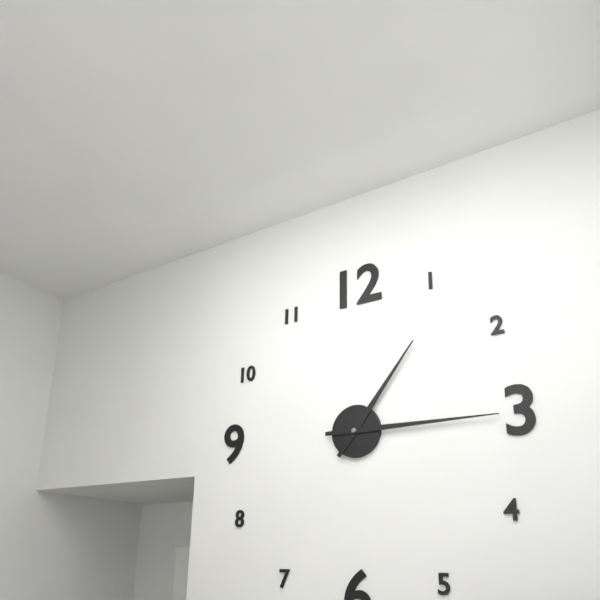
1:15
